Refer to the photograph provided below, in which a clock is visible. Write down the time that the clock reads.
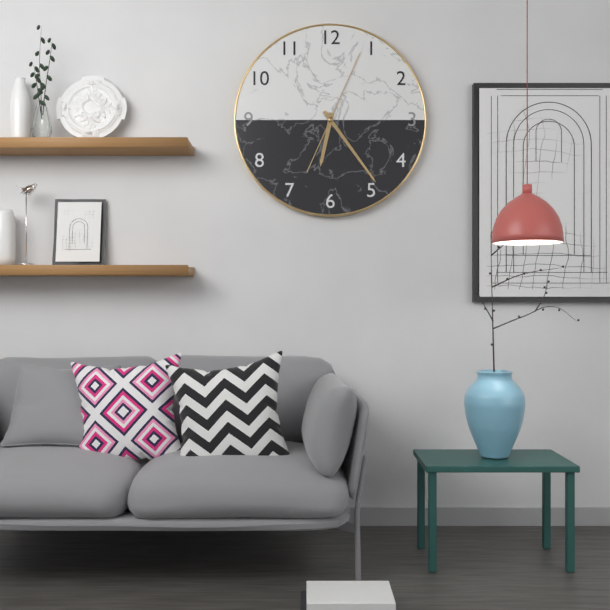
6:24:04
